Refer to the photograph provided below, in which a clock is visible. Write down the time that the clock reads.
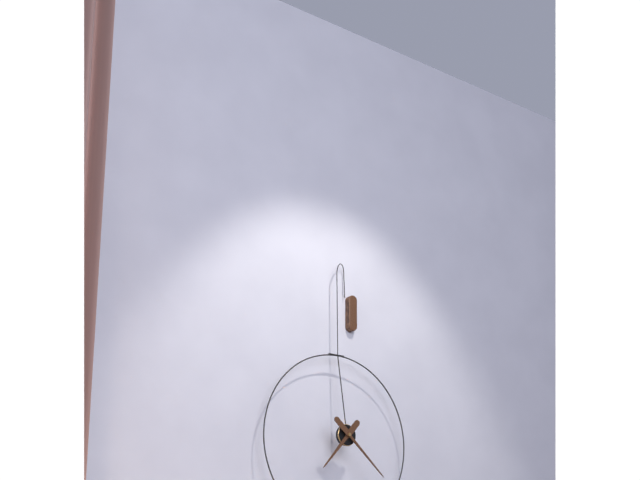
7:22
